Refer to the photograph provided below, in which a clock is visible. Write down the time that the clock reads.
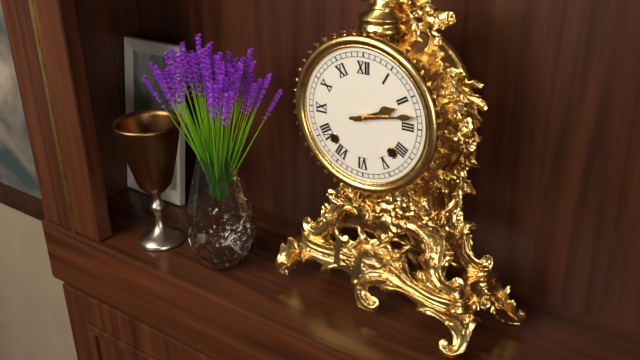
2:13
